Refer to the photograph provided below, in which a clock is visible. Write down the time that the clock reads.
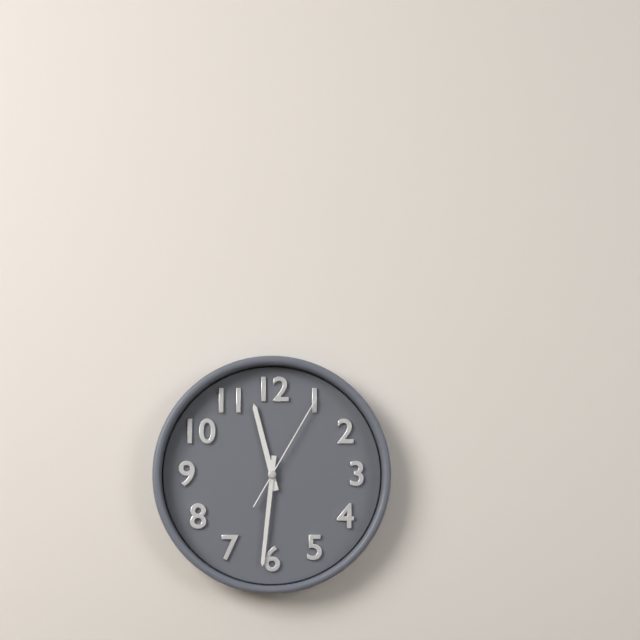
11:31:05
